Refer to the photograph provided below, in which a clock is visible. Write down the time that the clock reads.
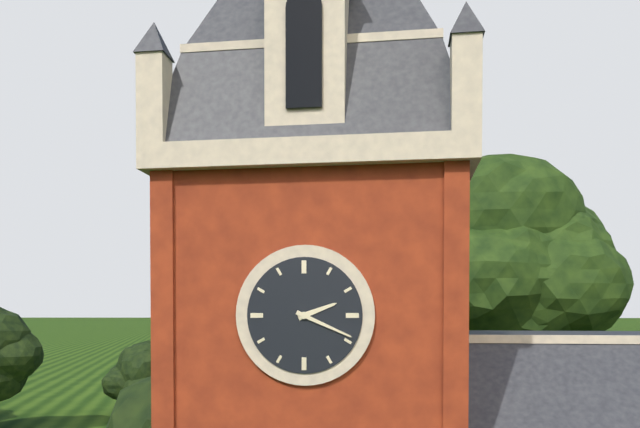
2:19
